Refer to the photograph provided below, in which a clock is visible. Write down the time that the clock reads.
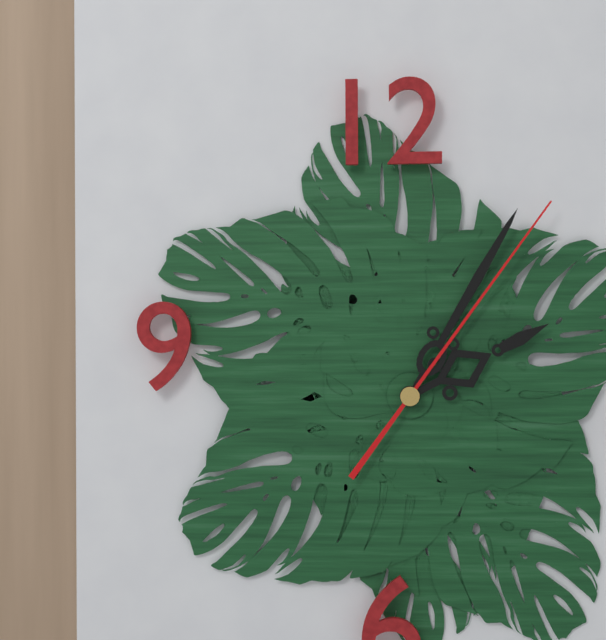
2:05:06
